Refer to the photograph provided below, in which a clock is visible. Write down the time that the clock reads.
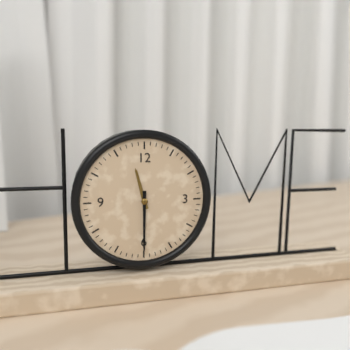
11:30
